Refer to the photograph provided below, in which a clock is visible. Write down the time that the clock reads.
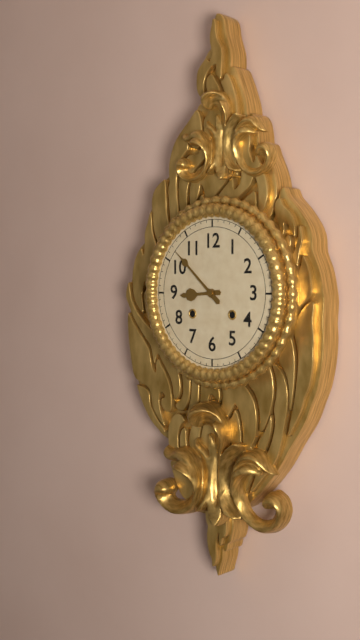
8:52
